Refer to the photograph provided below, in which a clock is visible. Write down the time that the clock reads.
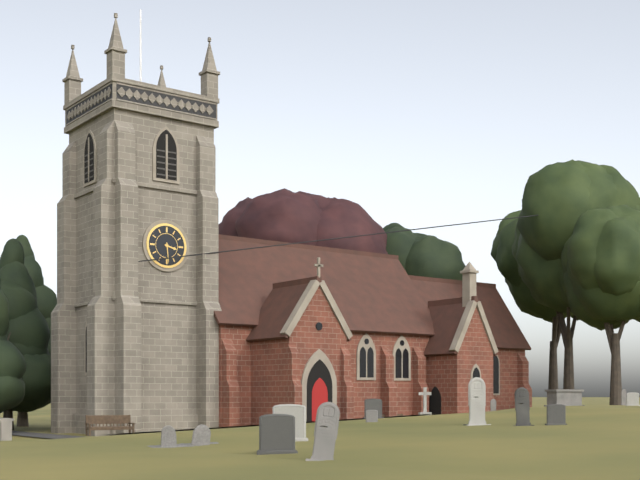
3:29
